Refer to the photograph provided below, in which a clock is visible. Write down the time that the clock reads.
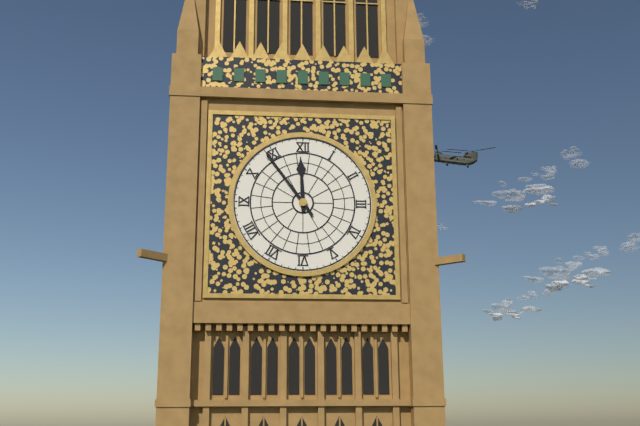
11:54
